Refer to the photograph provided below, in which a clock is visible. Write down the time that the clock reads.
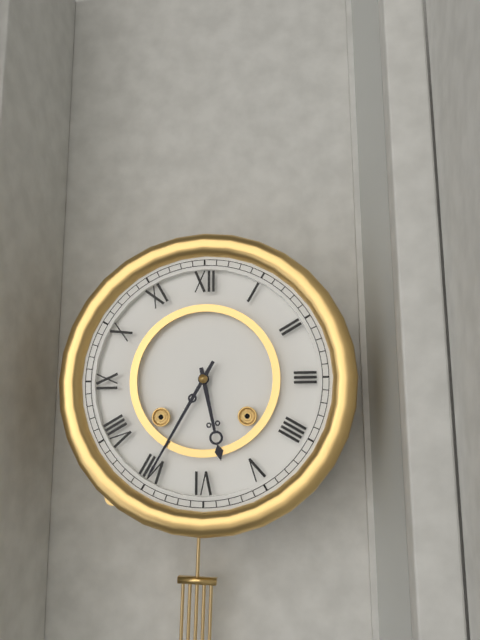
5:35
